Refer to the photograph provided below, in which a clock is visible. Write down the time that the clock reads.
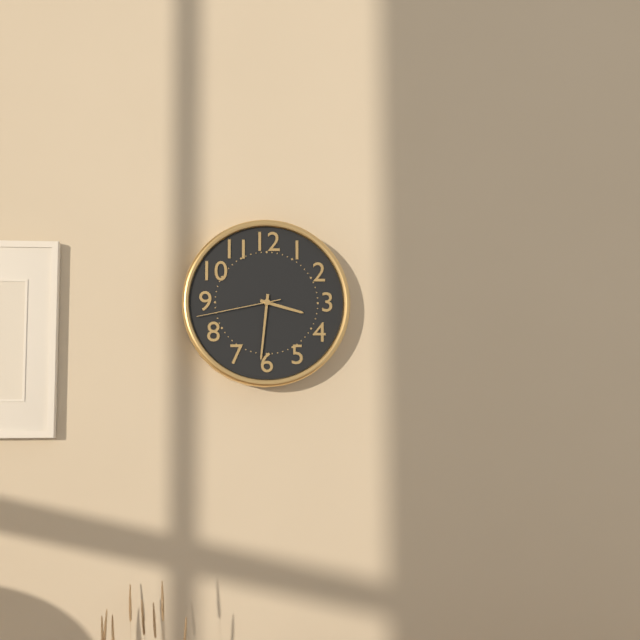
3:31:43
